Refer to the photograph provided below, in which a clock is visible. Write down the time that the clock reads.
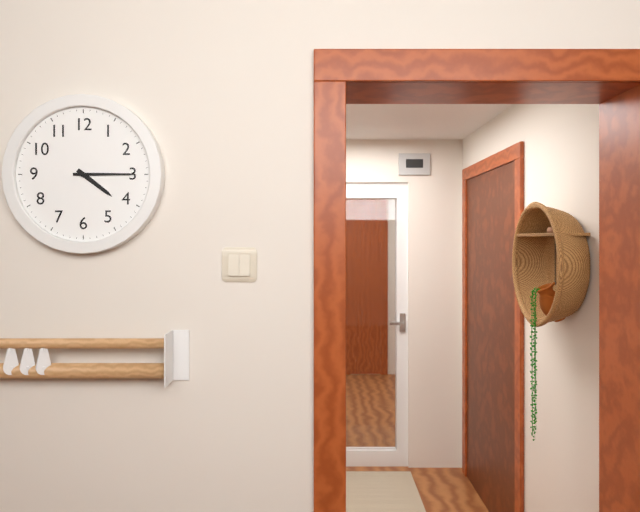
4:15
